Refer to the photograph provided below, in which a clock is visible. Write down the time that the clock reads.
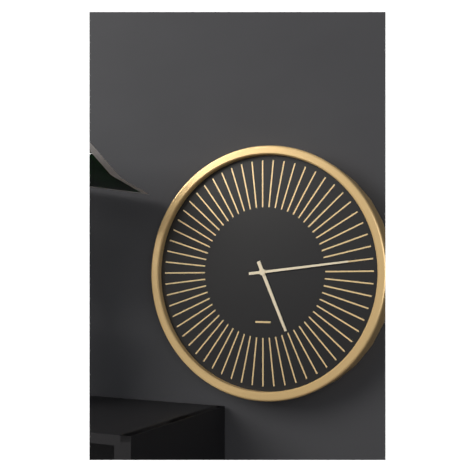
5:14
